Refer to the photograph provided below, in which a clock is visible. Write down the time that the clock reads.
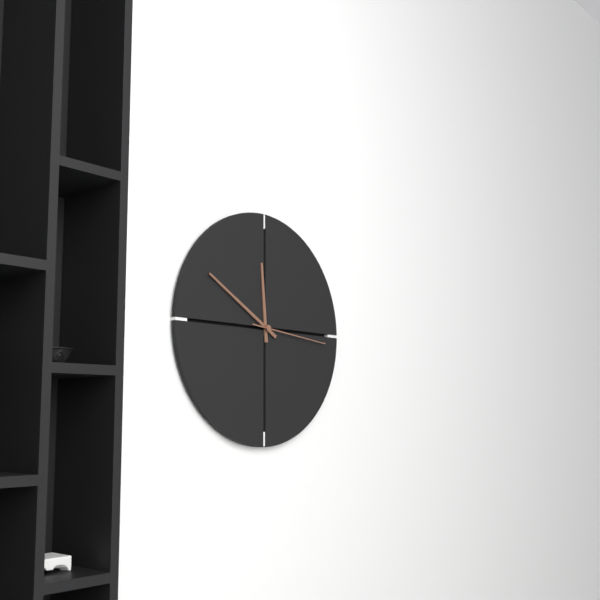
11:50:16
